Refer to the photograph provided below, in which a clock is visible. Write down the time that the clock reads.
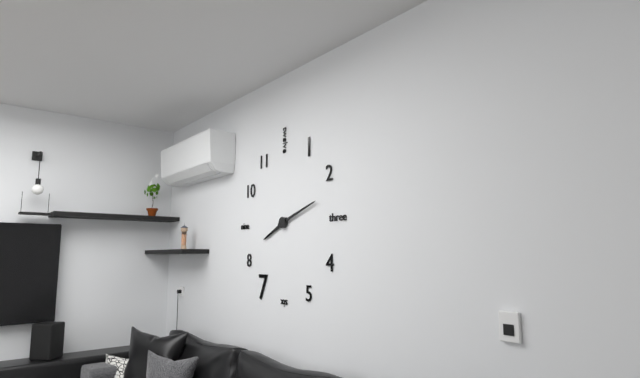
8:12
